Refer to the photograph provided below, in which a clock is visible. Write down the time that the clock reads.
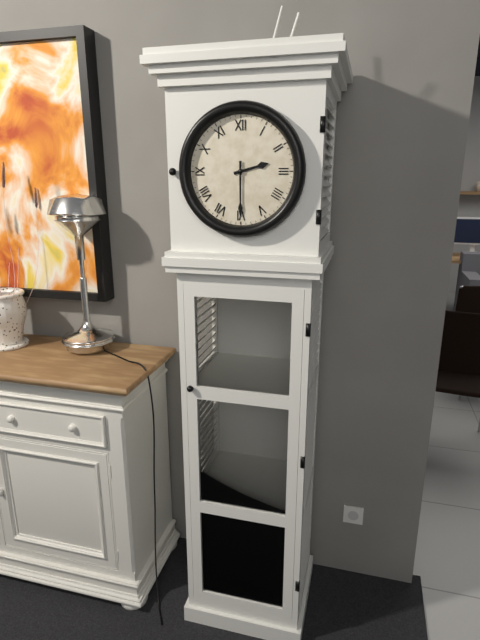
2:30
